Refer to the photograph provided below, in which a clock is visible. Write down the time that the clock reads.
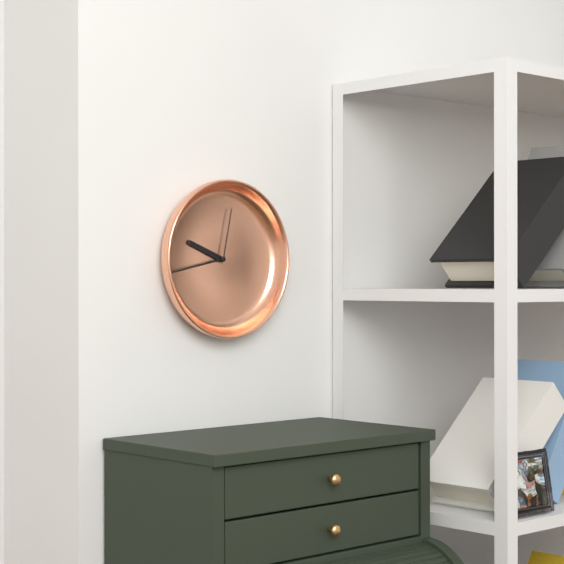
9:43:02
